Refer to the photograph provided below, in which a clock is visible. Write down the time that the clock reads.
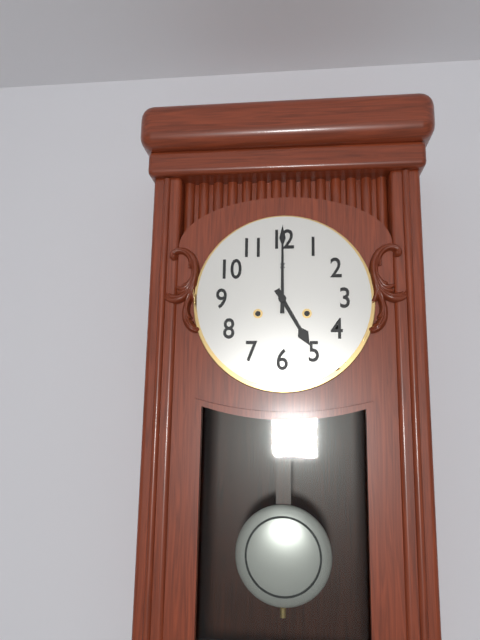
5:00
